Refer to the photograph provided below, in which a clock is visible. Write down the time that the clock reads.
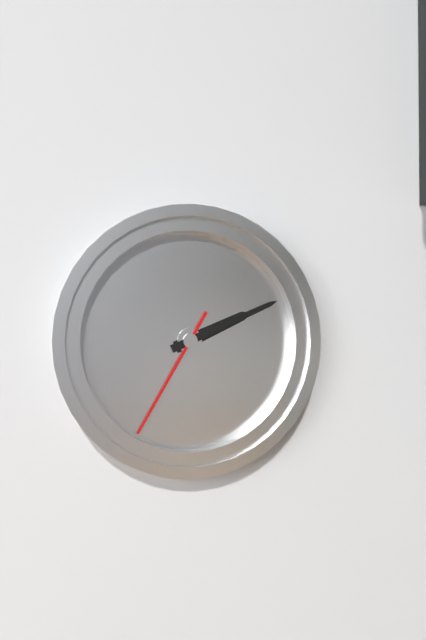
2:11:35
